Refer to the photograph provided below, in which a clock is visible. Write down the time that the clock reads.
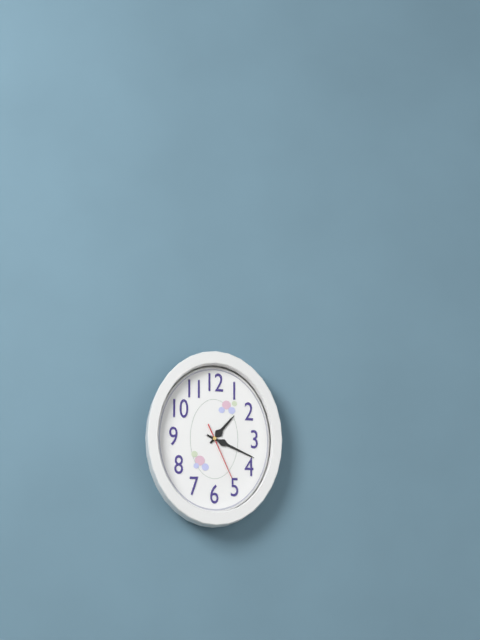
1:19:26
